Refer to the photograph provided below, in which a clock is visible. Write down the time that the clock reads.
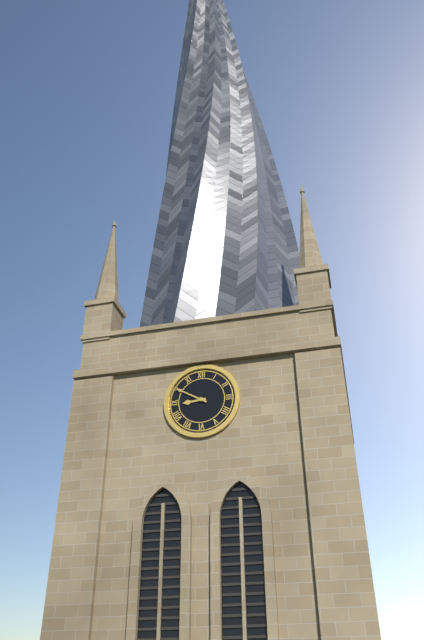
8:50
